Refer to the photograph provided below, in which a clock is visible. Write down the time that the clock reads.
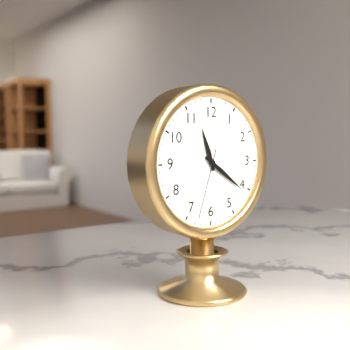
11:21:33
